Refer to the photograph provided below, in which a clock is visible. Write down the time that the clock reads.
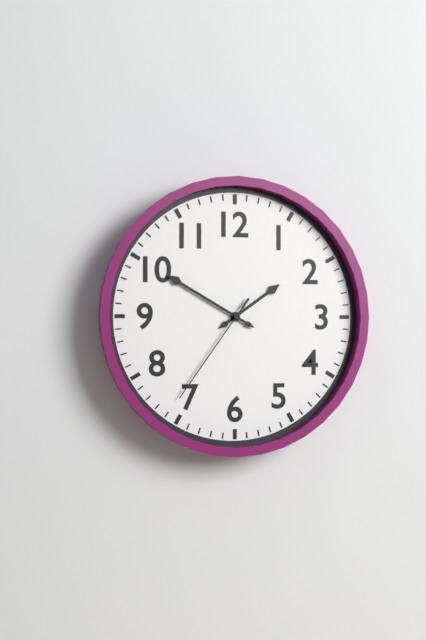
1:50:36
